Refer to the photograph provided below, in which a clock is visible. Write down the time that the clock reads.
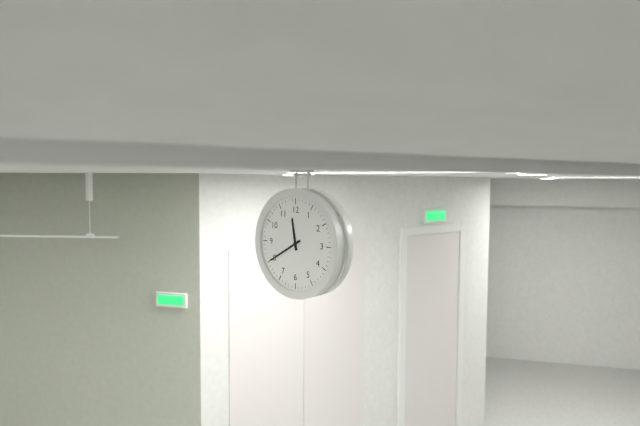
11:40
